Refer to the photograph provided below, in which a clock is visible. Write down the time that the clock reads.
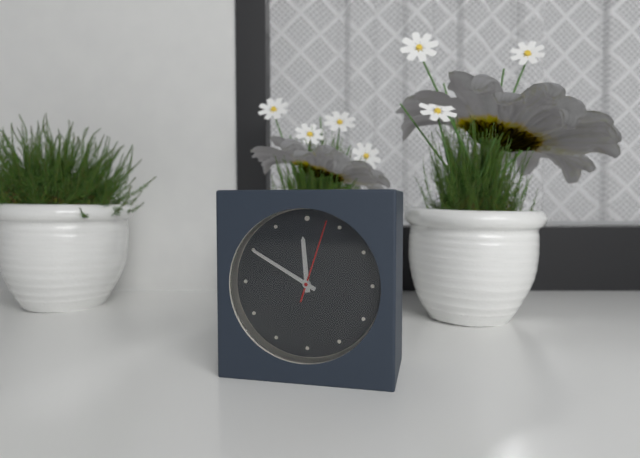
11:50:03
